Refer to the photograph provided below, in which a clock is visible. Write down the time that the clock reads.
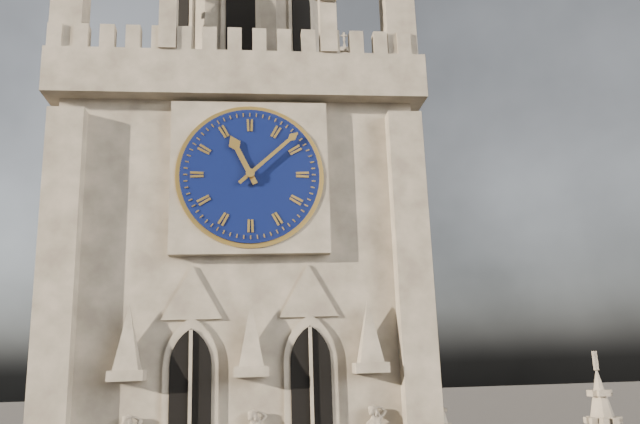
11:08
